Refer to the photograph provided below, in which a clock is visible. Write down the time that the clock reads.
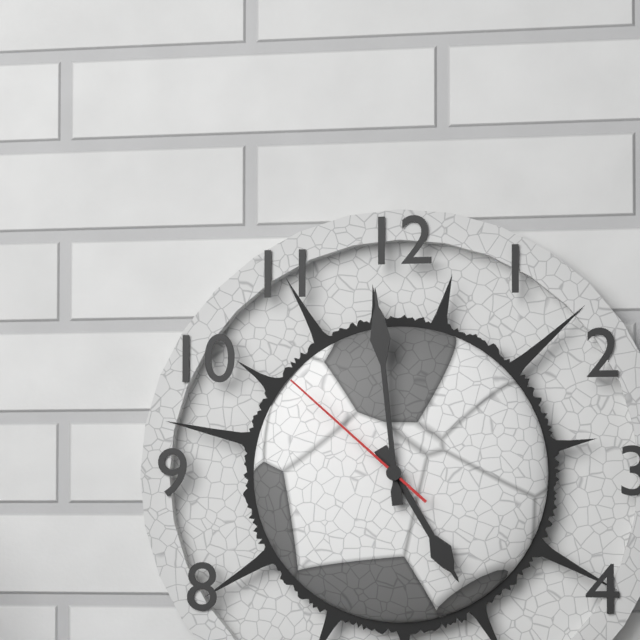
4:59:52
